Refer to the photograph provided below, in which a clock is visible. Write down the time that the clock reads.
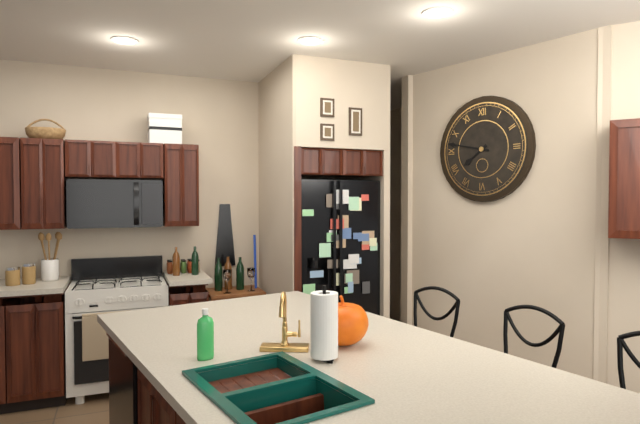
7:47
